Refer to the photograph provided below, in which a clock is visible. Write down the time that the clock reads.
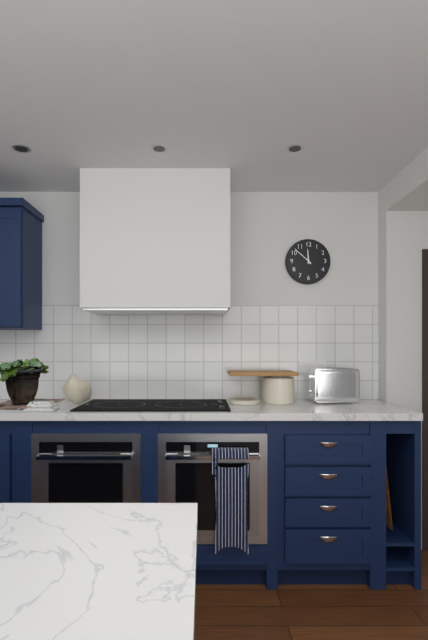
11:52
